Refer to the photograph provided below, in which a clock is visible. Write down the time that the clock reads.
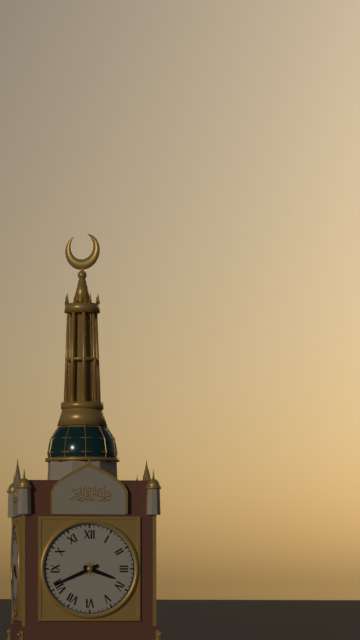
3:41
